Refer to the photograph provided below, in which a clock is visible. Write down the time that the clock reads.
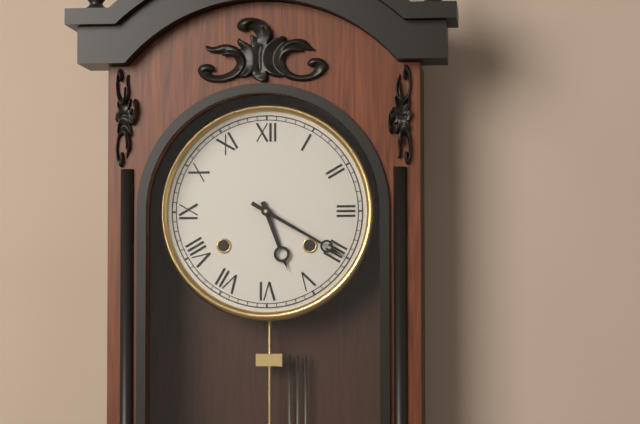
5:20
